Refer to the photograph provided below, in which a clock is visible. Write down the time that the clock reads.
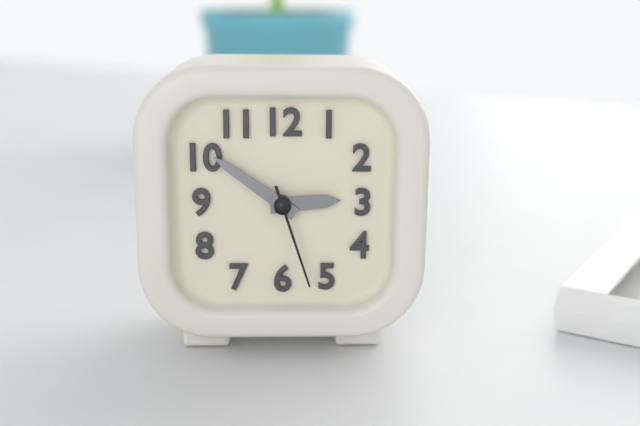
2:51:27
